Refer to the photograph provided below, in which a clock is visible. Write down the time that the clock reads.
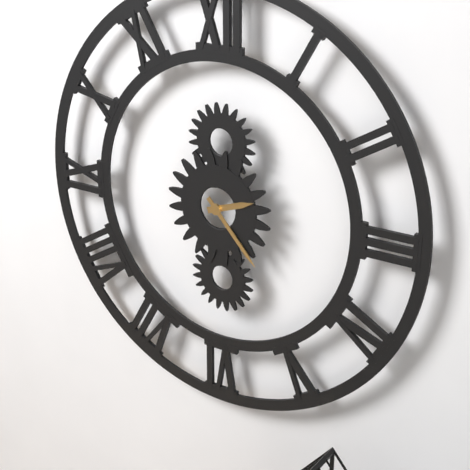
2:23
